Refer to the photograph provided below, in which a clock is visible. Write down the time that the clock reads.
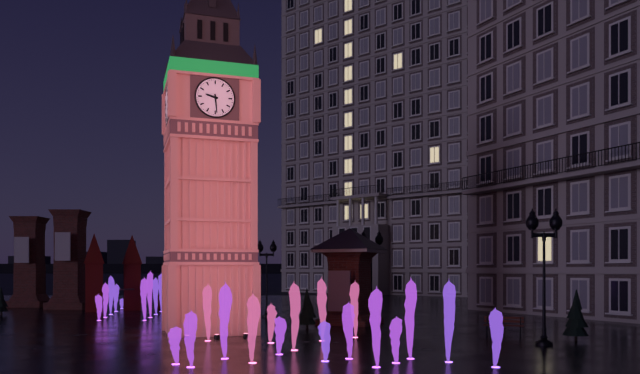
9:29
